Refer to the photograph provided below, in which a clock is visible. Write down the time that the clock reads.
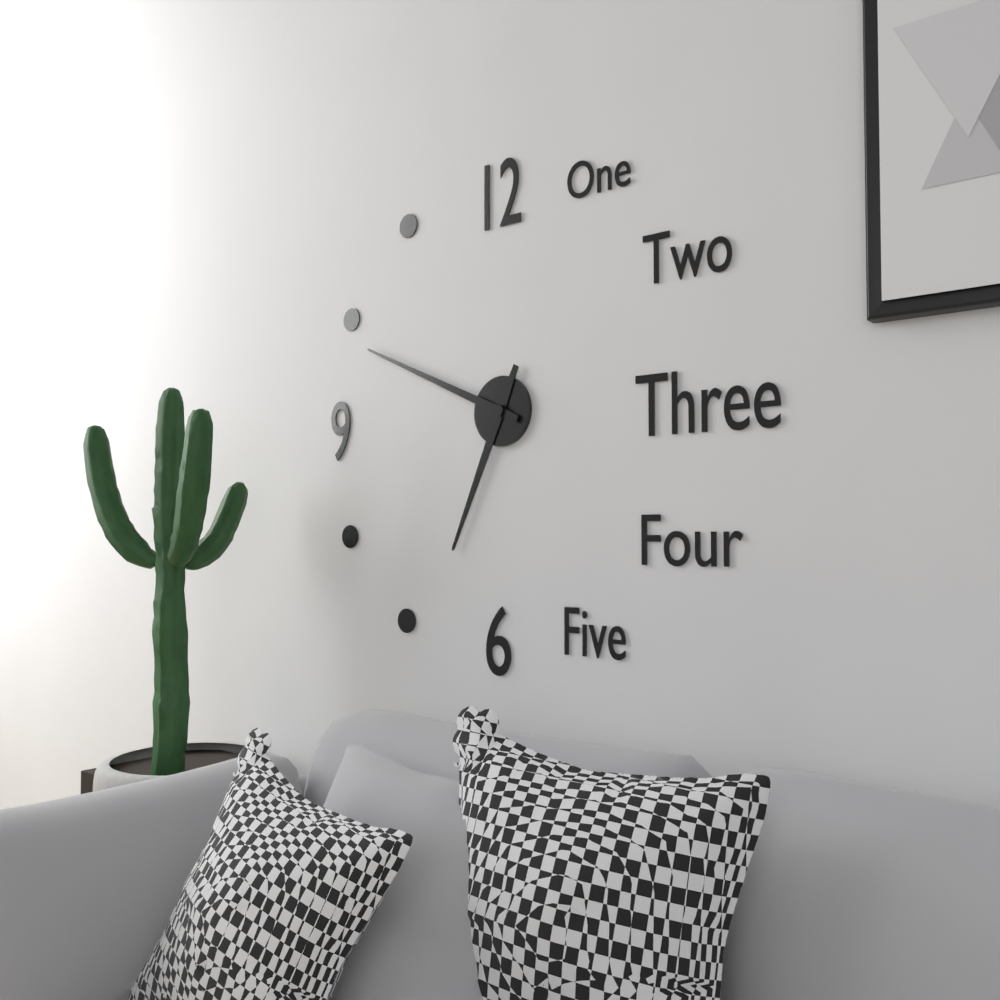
6:49
